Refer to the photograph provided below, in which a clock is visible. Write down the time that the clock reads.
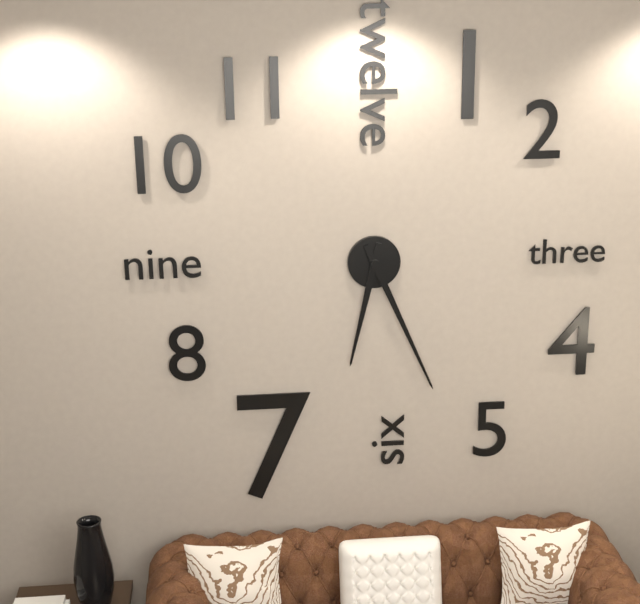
6:26
